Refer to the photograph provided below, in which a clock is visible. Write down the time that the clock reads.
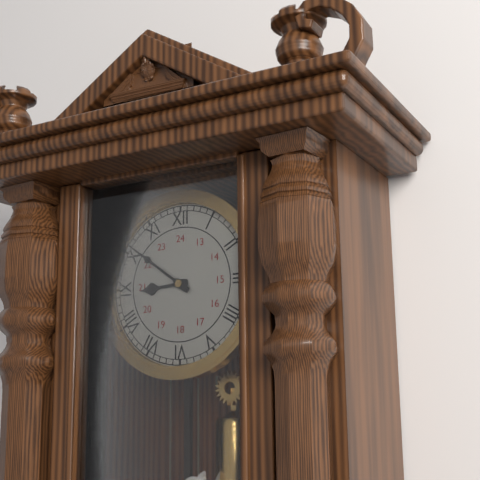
8:51
